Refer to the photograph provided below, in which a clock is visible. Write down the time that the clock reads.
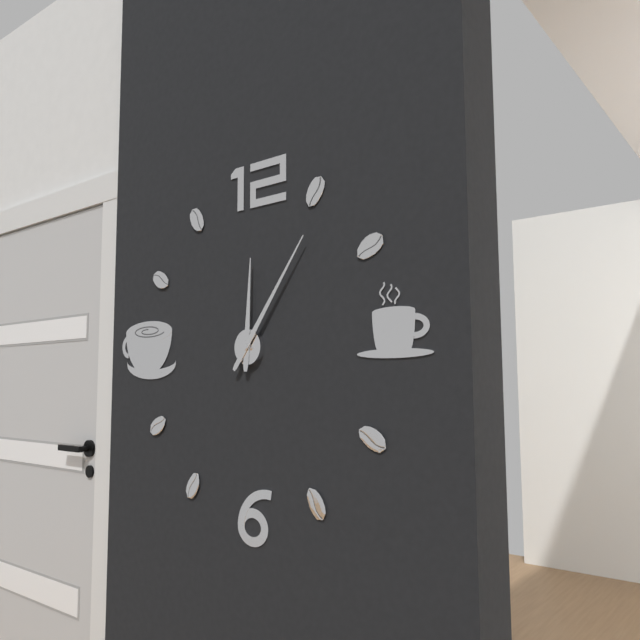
12:06
